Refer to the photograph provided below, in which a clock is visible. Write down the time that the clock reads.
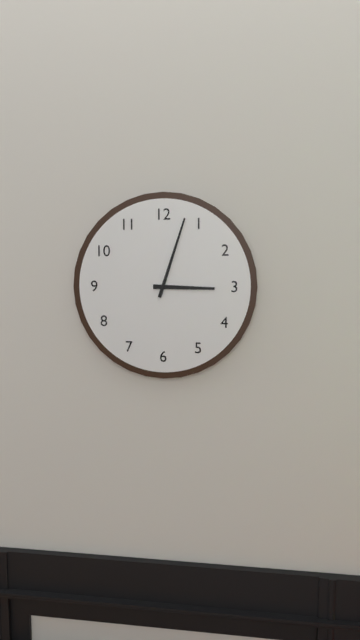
3:03
